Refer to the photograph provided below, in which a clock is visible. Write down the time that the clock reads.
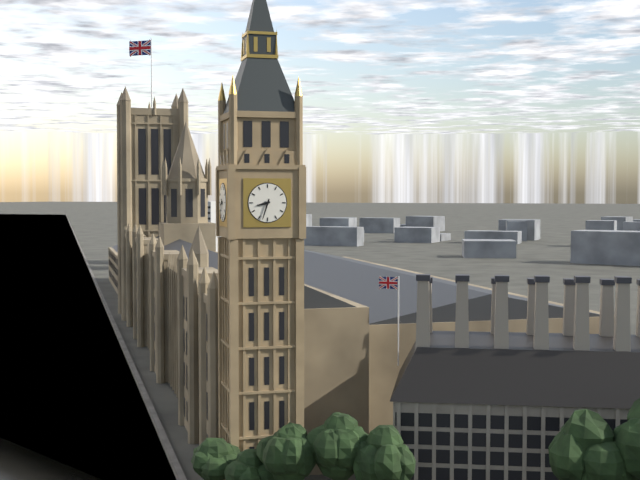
8:33
